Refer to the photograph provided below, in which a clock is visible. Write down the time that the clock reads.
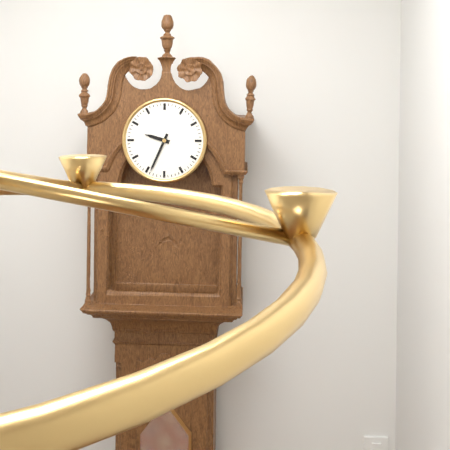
9:34
